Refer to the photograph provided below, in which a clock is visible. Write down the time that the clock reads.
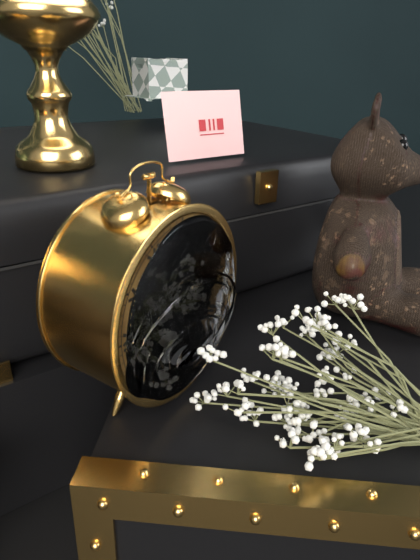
12:52
